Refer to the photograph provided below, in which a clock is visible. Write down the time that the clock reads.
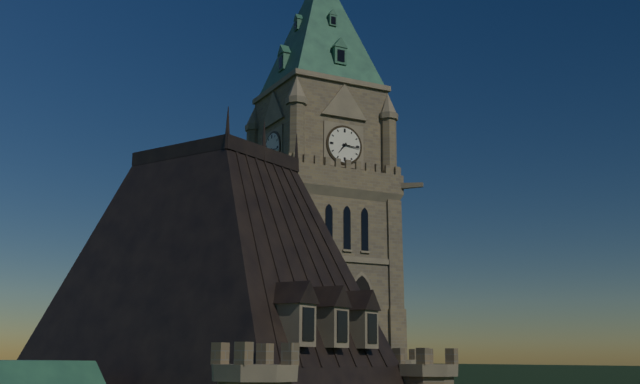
7:16
